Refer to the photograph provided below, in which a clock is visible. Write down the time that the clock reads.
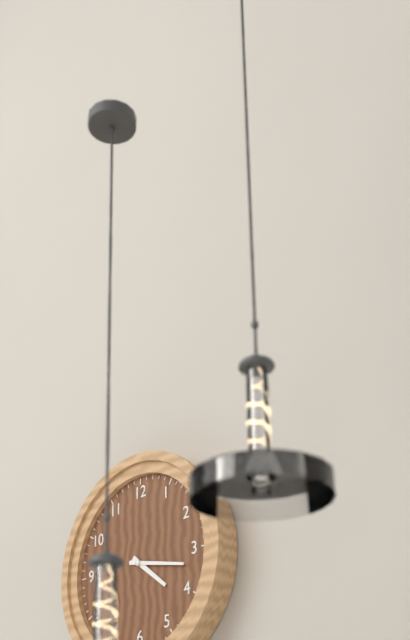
4:17
